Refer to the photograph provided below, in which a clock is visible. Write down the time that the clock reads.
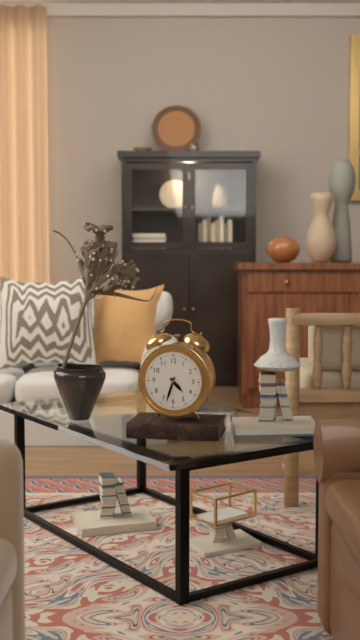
4:33
